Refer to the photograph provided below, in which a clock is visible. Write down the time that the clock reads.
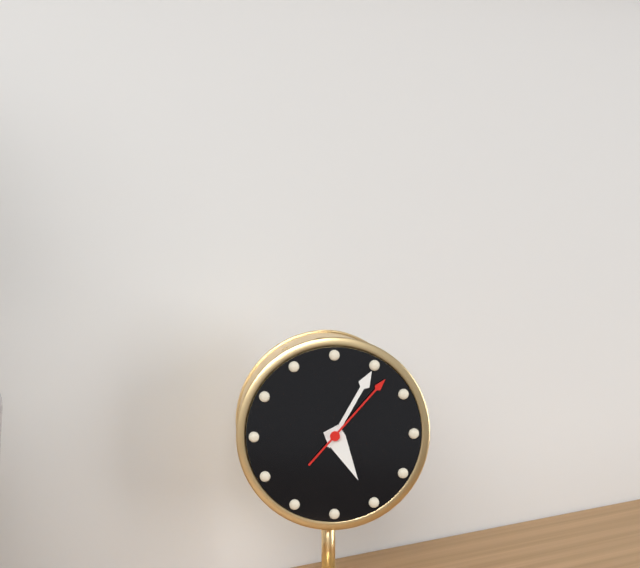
5:05:07
